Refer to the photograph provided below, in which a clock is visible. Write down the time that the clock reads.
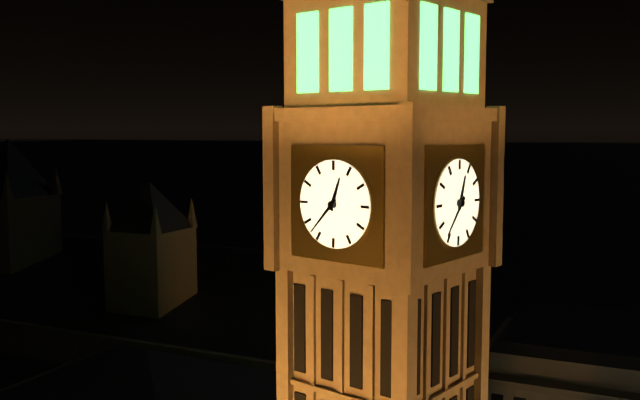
12:37
